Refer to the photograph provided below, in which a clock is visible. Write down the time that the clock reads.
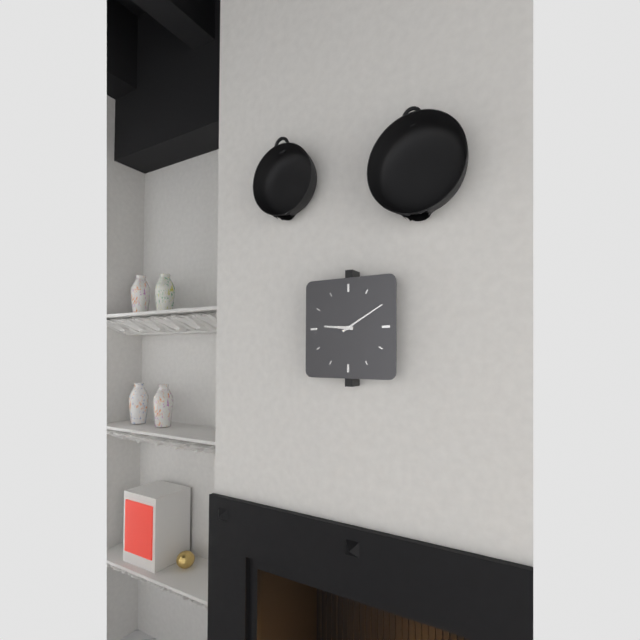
9:10
